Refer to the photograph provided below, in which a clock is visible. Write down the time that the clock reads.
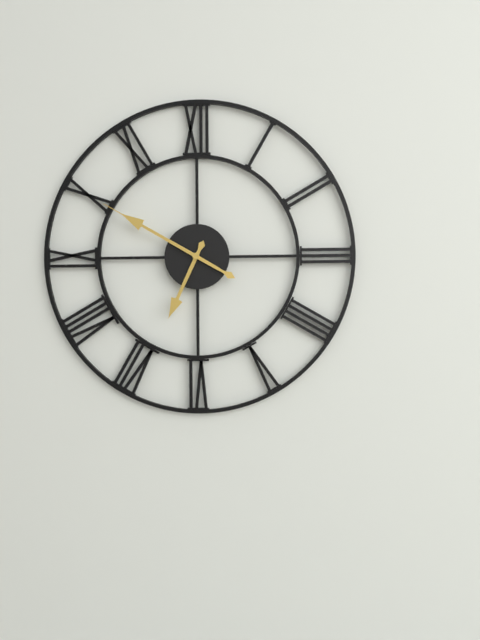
6:50
